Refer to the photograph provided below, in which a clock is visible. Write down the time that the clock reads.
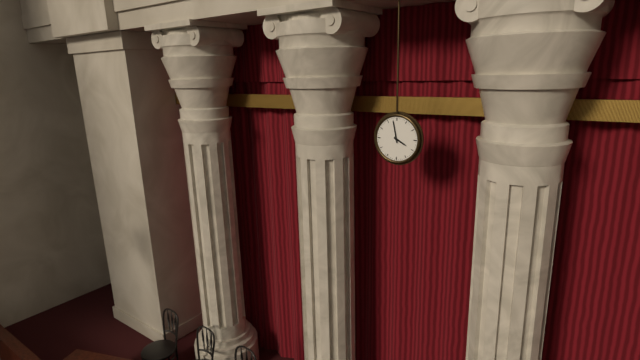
3:58
